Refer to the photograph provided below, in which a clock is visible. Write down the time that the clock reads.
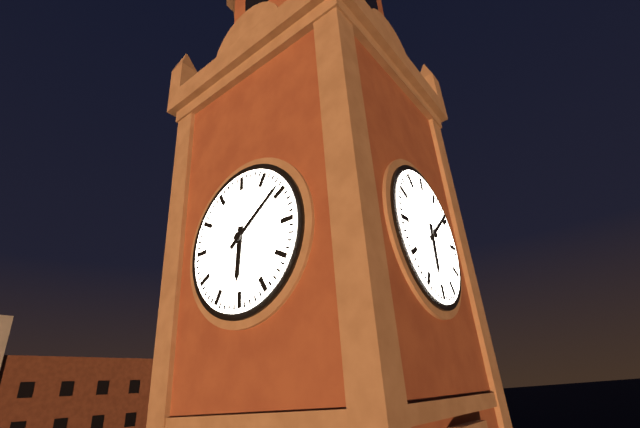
6:09
